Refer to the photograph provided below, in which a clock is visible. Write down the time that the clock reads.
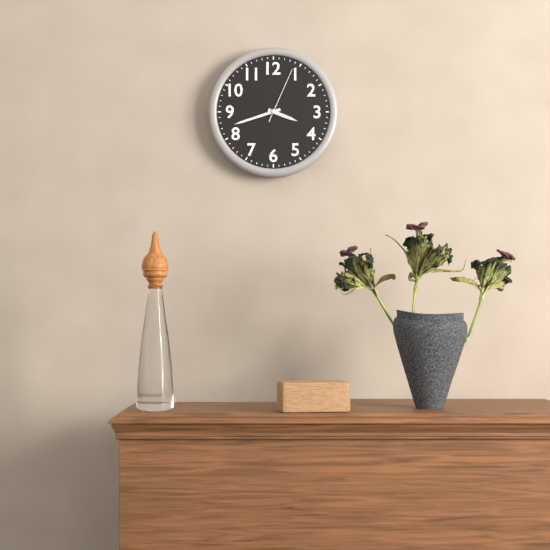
3:42:04
